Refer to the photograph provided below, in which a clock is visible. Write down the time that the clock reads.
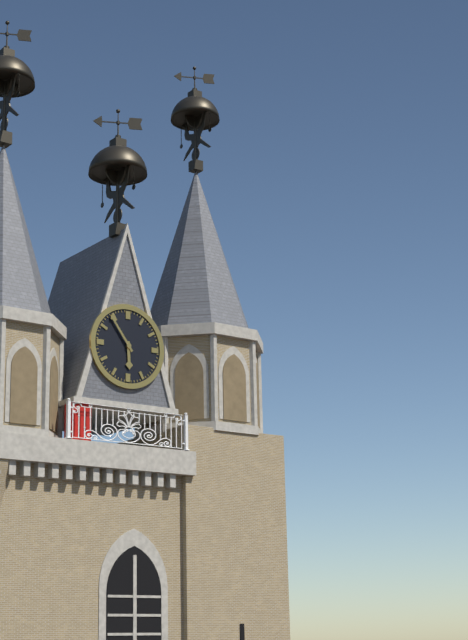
5:54
